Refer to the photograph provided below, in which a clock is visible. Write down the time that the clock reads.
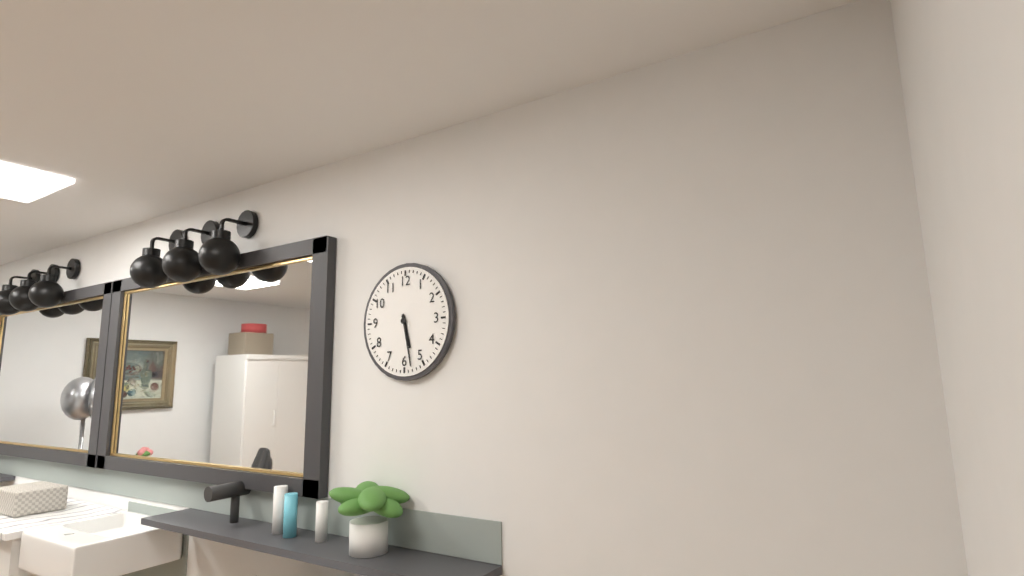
5:28
